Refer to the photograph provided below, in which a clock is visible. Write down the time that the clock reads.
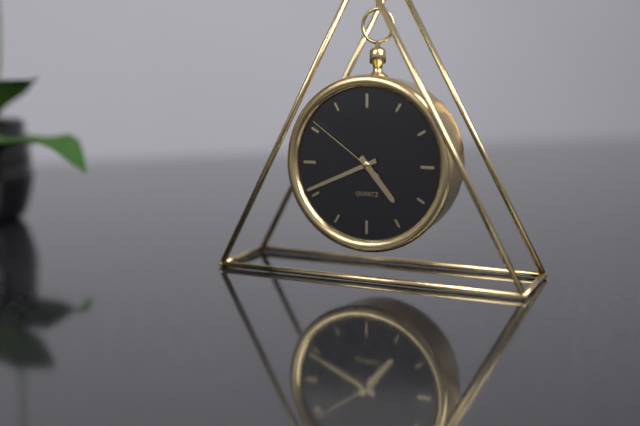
4:41:51
